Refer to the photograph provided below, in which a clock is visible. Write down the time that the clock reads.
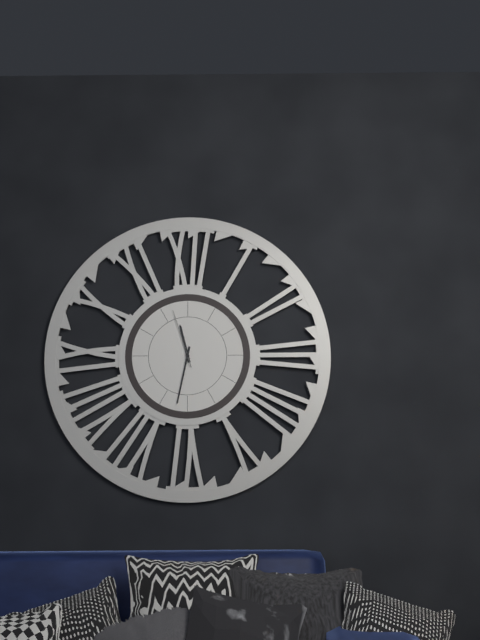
11:32:57
